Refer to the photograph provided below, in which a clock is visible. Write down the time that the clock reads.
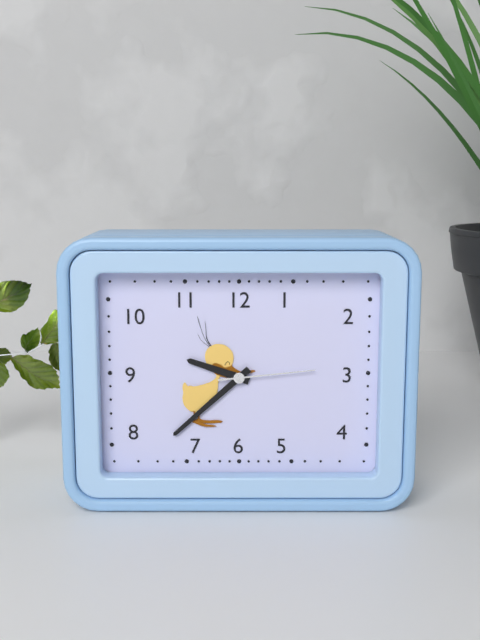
9:38:14
